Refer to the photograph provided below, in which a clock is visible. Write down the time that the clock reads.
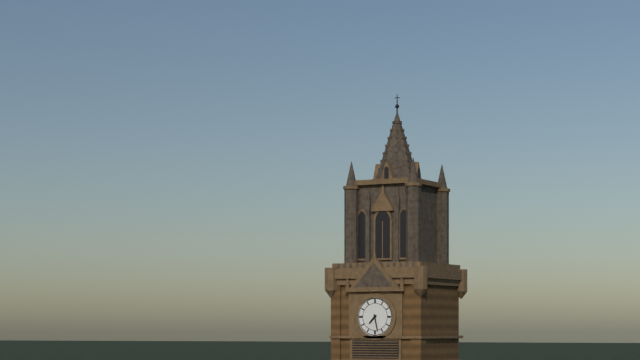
7:28
